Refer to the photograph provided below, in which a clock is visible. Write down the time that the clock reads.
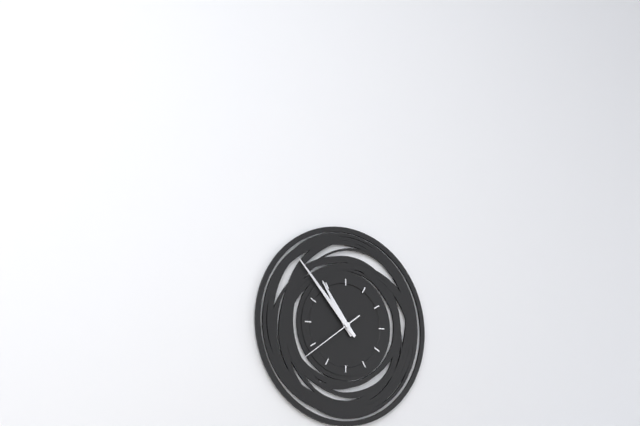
10:53:39
